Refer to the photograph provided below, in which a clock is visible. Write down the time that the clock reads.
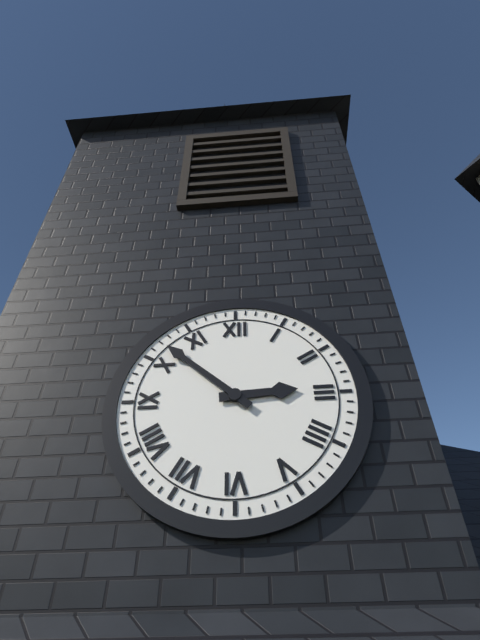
2:52
